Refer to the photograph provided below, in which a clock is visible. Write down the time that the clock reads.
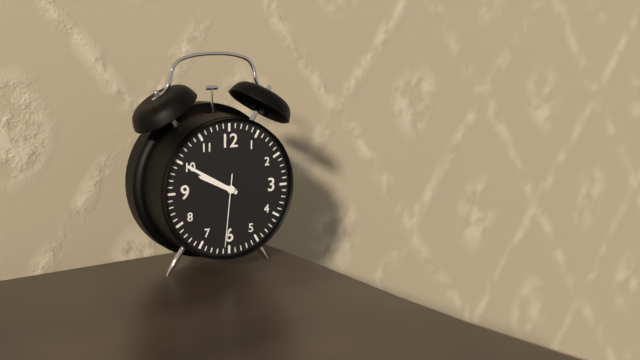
9:50:31
